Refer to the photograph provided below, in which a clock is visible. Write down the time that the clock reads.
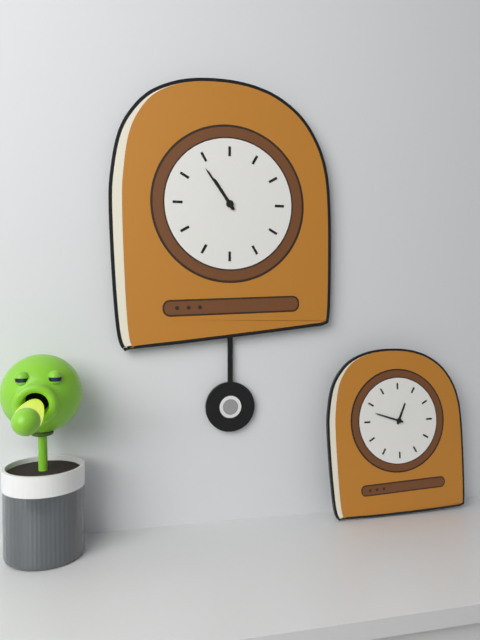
10:54
